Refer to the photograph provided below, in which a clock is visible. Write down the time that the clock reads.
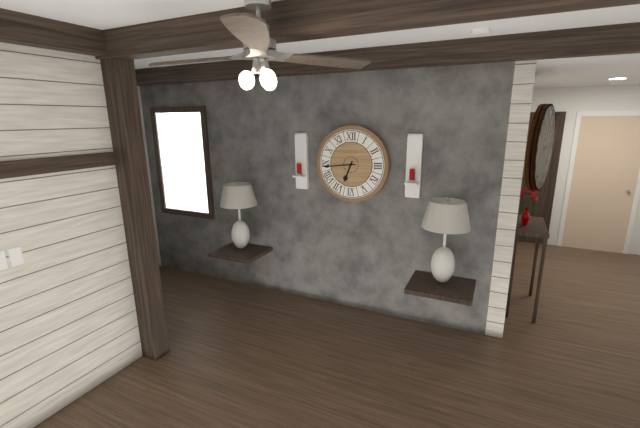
6:44
